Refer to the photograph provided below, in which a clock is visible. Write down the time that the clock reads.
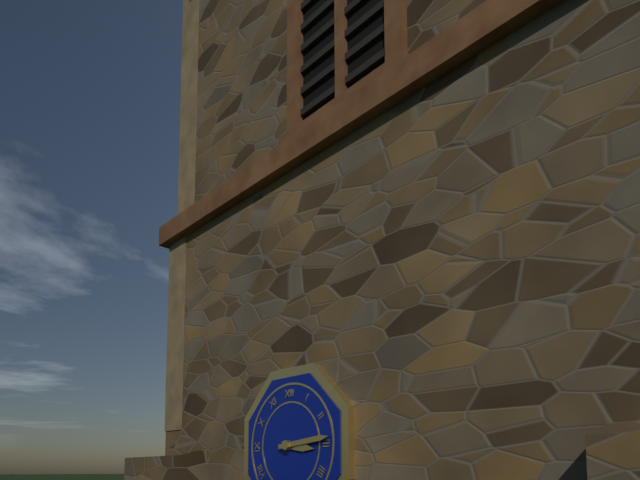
3:14
